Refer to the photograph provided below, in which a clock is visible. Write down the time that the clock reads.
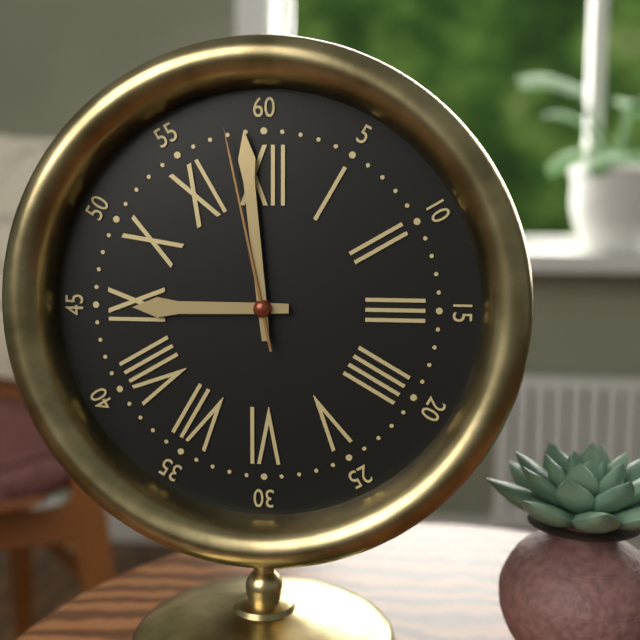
8:59:58
